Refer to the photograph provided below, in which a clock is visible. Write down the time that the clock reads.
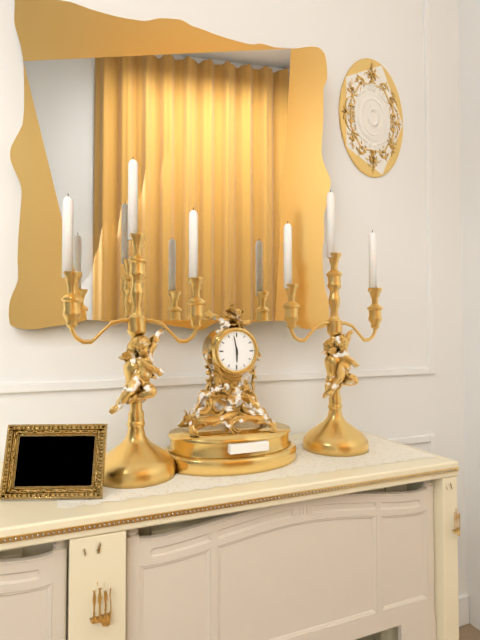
5:58
